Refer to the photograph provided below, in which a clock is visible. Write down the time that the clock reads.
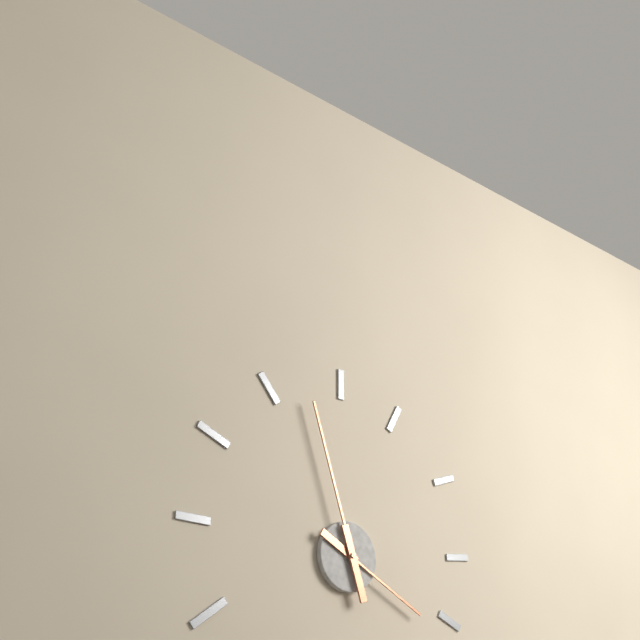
3:57
